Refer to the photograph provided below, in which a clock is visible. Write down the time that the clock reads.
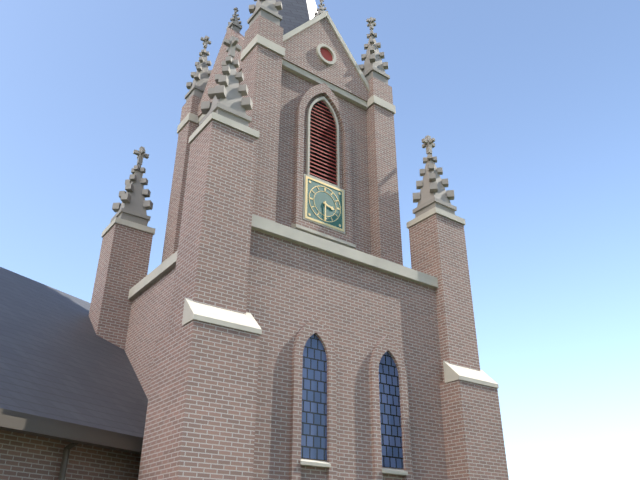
3:30
